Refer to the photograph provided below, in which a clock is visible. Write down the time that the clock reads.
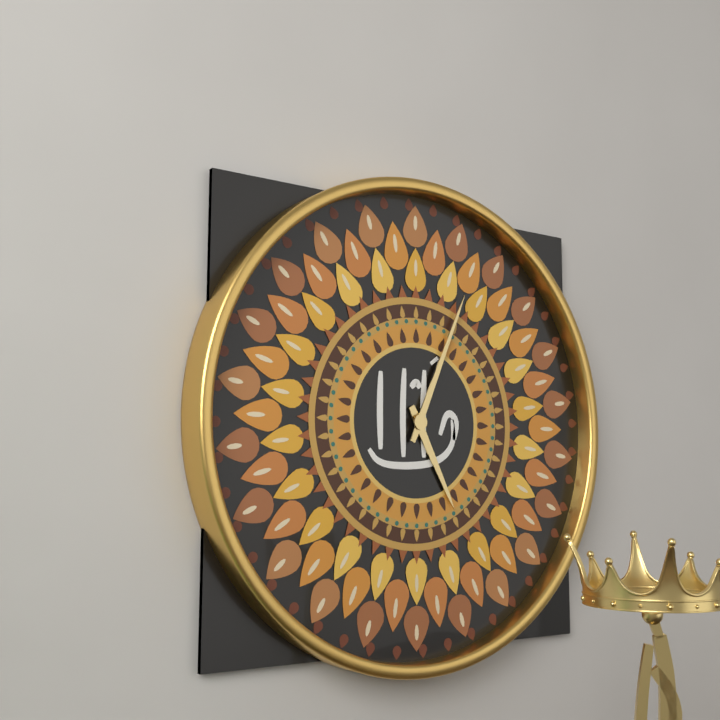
5:04
